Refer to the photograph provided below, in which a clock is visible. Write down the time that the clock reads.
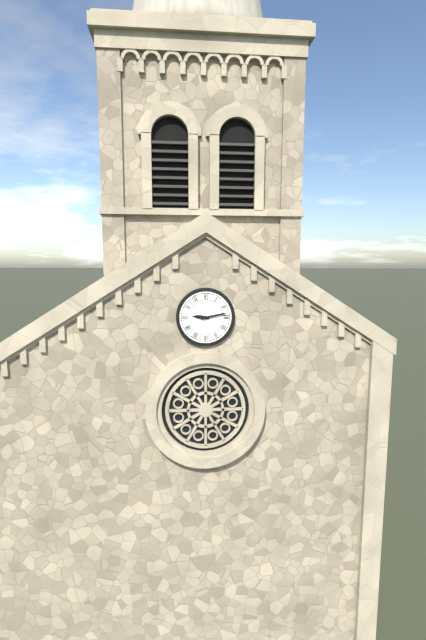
9:13
